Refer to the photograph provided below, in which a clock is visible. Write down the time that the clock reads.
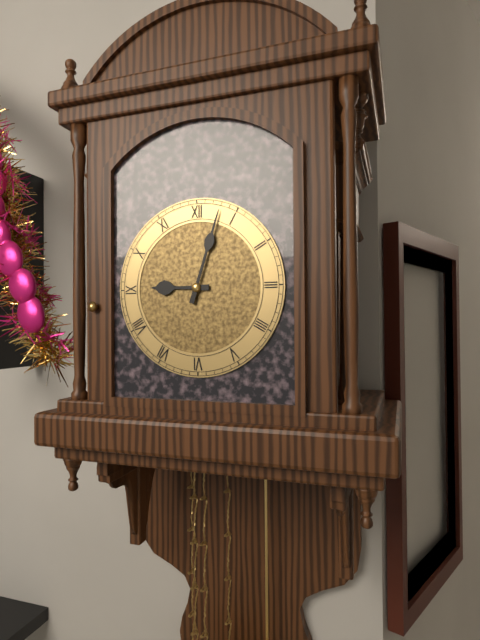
9:03
